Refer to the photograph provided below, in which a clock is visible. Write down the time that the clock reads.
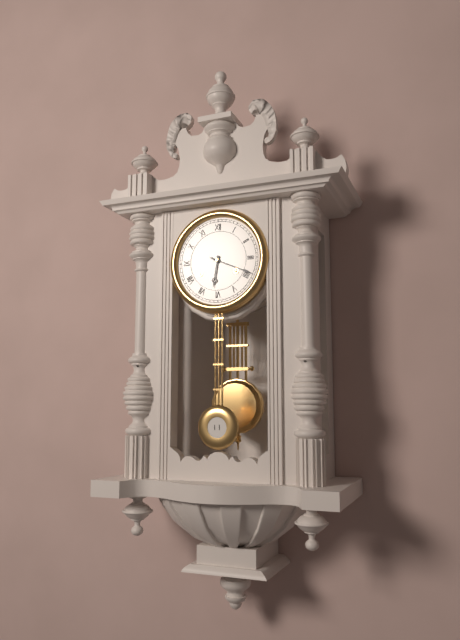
6:19
